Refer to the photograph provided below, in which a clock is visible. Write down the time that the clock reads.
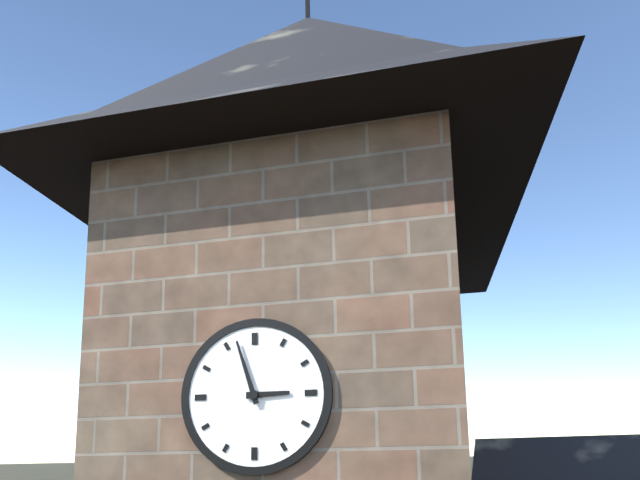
2:57
